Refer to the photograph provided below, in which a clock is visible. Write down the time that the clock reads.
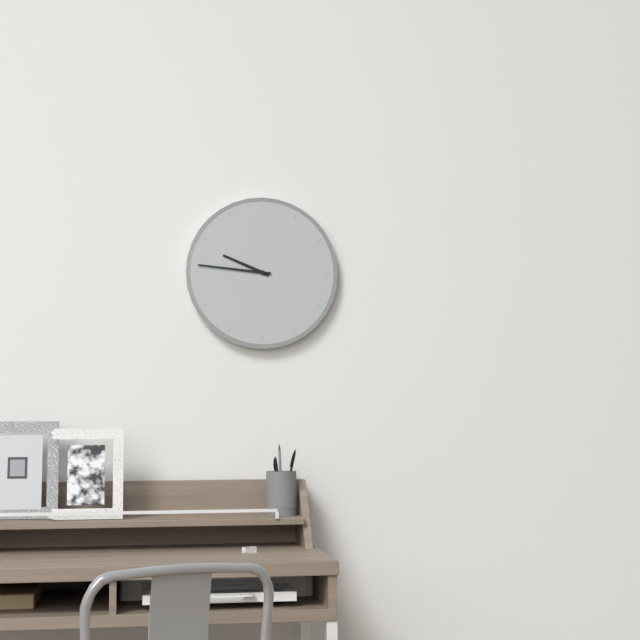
9:46
